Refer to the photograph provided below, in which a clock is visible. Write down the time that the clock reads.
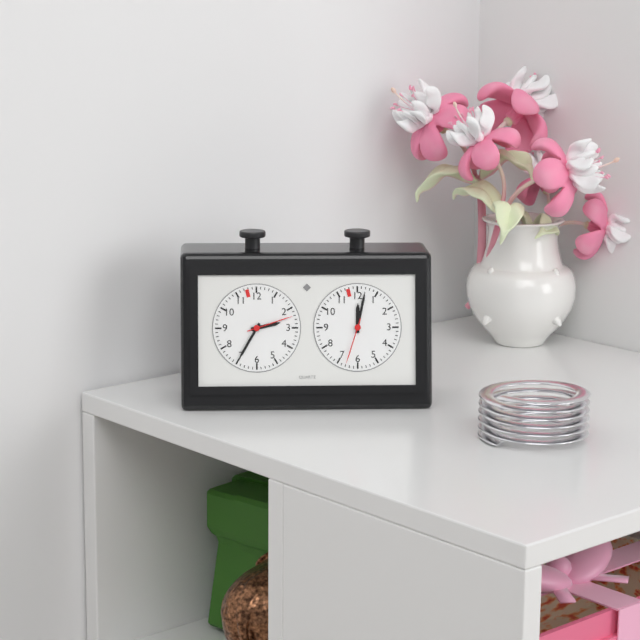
2:35
